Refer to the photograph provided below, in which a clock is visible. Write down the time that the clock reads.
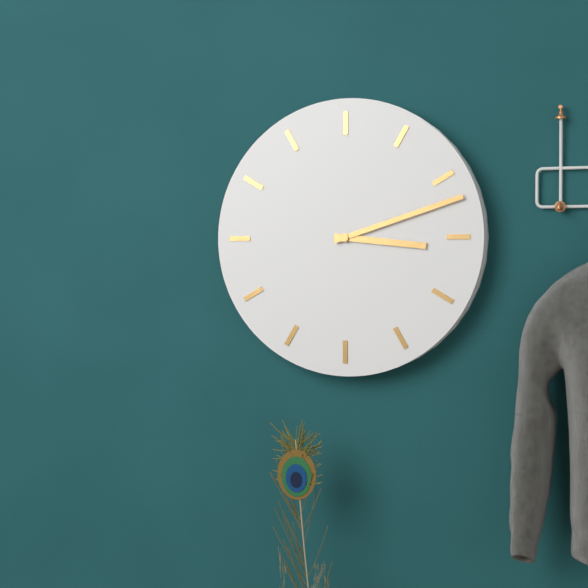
3:12
